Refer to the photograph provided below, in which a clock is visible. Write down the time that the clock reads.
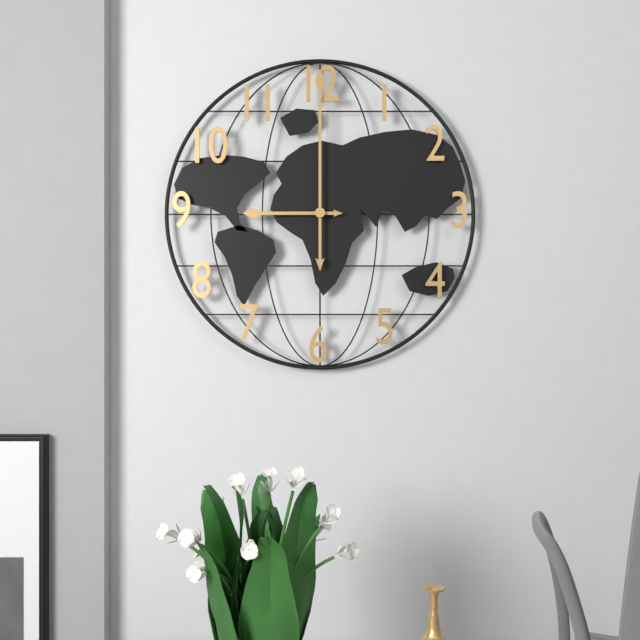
9:00
